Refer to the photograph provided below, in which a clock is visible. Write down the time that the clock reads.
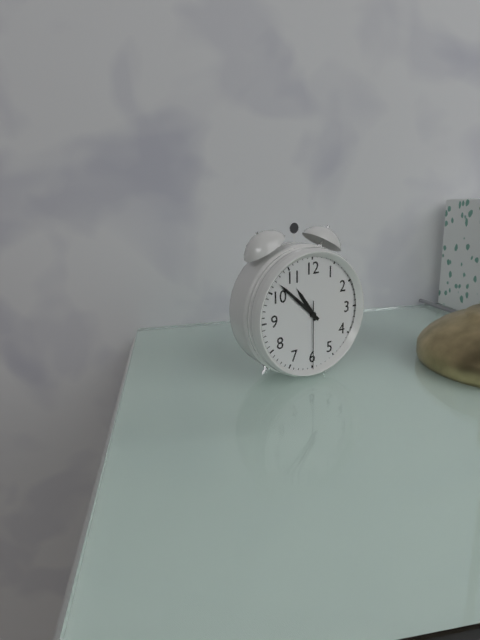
10:52:30
